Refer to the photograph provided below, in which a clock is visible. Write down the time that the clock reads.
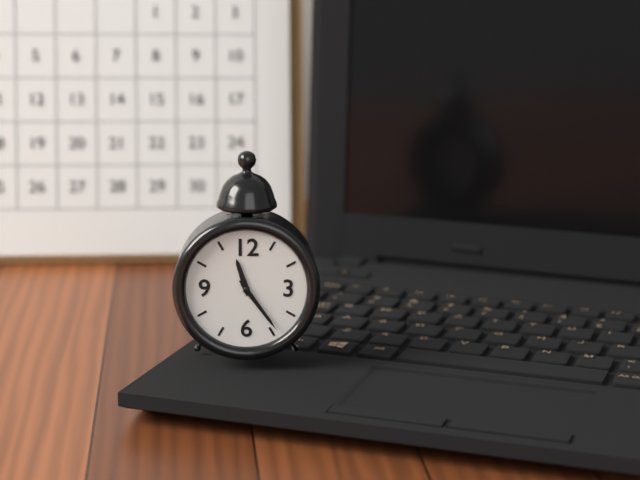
11:24:24
